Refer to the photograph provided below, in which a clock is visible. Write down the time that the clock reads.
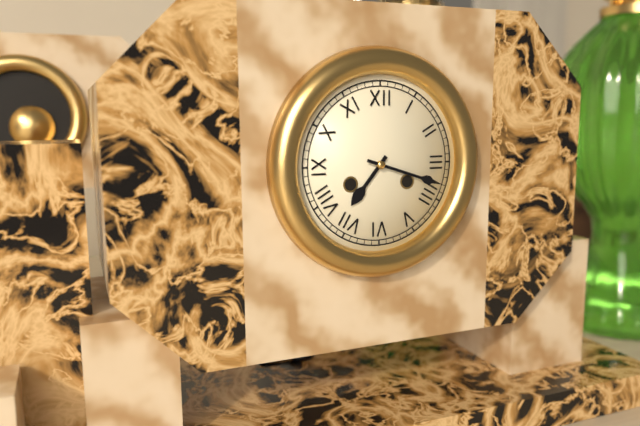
7:18
